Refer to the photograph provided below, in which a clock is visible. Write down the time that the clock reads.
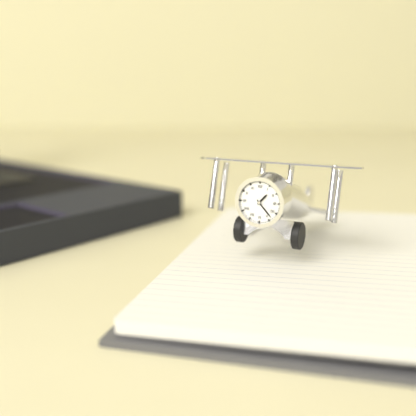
1:23
